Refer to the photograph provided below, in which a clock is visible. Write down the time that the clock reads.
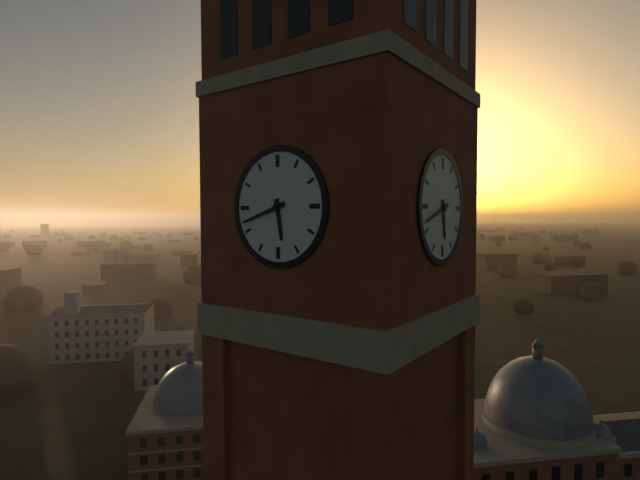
5:42
